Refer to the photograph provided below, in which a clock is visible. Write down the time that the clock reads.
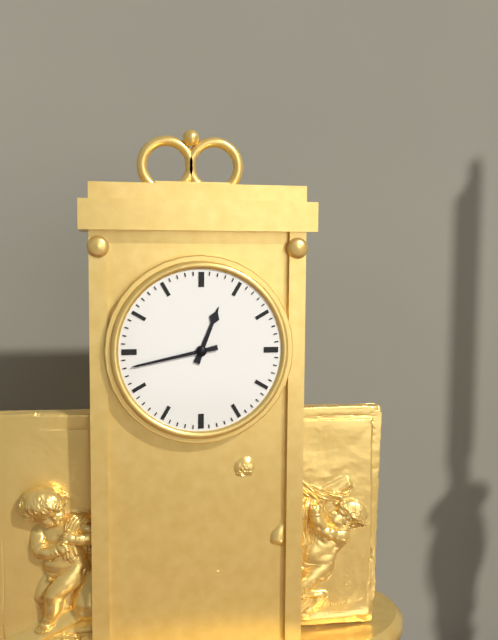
12:43
